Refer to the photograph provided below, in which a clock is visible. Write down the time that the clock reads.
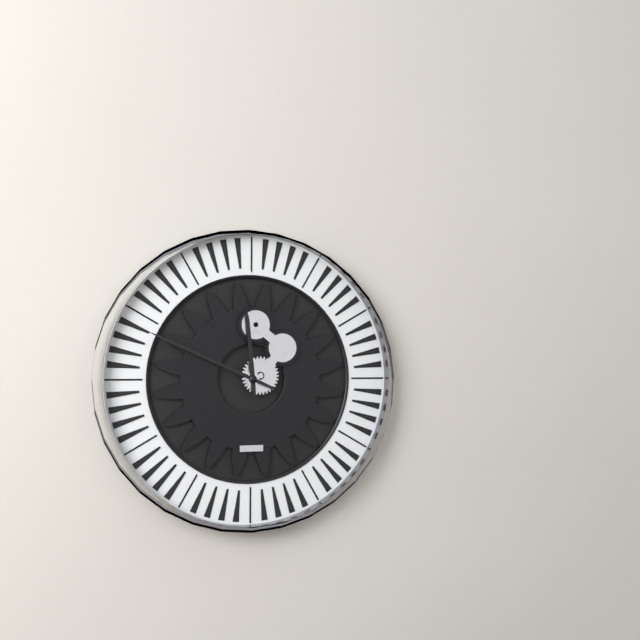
11:49
